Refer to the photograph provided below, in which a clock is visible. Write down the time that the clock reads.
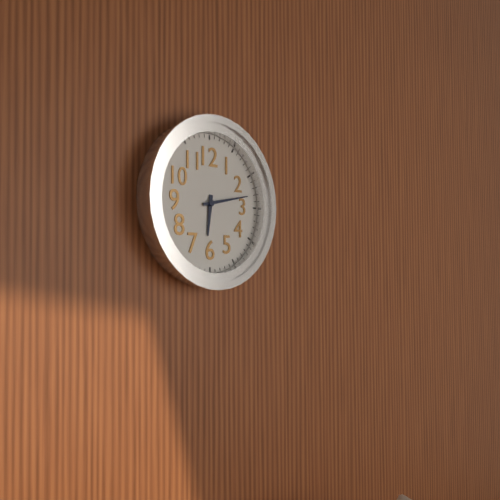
6:13
